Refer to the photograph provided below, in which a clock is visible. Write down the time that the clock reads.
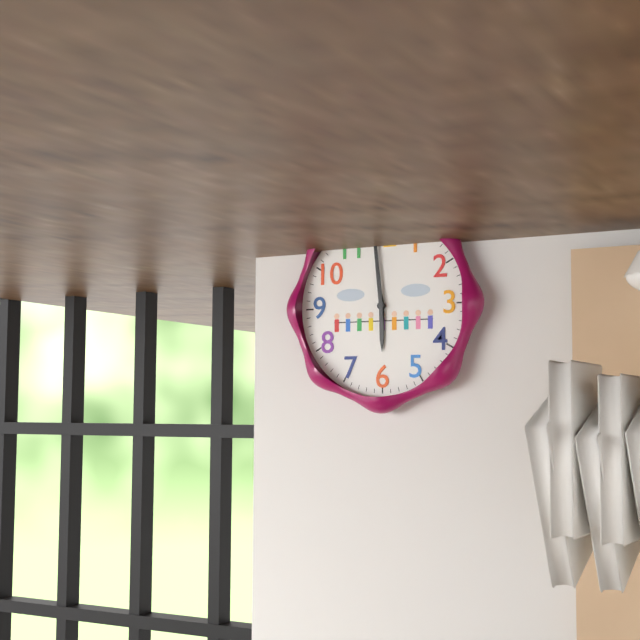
5:59
